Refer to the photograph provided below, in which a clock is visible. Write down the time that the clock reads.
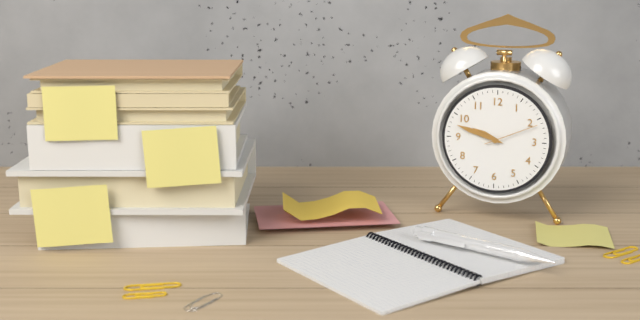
9:48:11
